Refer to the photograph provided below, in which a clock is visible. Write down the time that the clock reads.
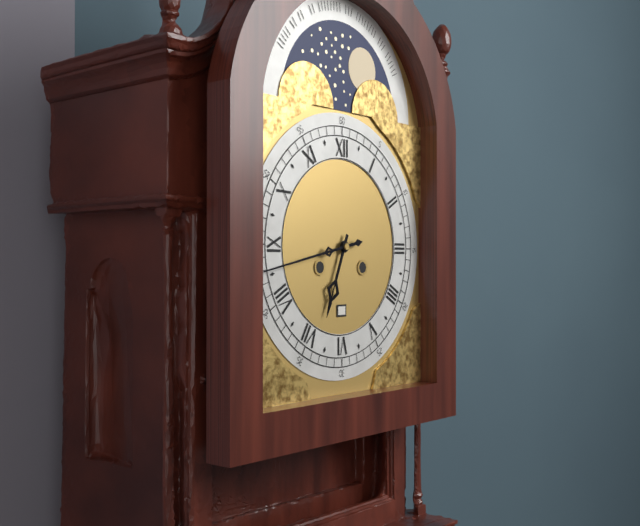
6:43
